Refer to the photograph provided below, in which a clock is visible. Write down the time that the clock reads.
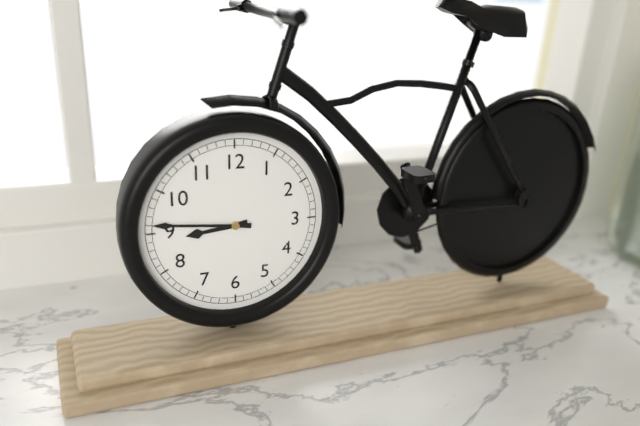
8:46
